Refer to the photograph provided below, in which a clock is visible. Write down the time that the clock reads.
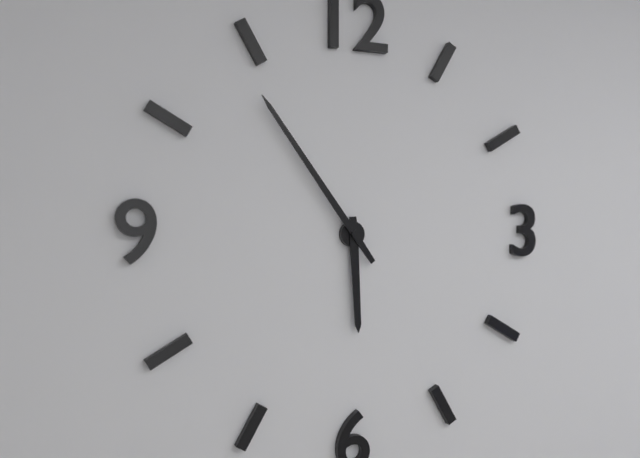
5:54
